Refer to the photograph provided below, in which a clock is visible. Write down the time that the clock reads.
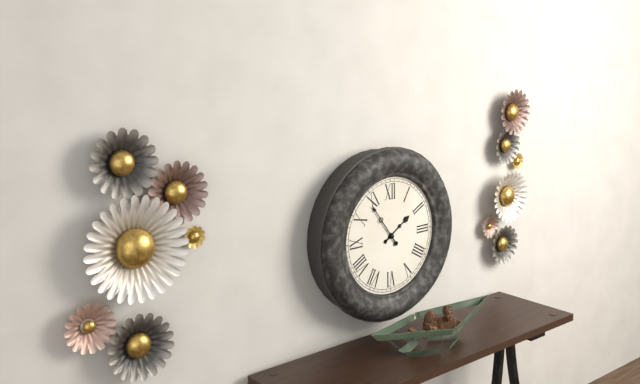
1:54
